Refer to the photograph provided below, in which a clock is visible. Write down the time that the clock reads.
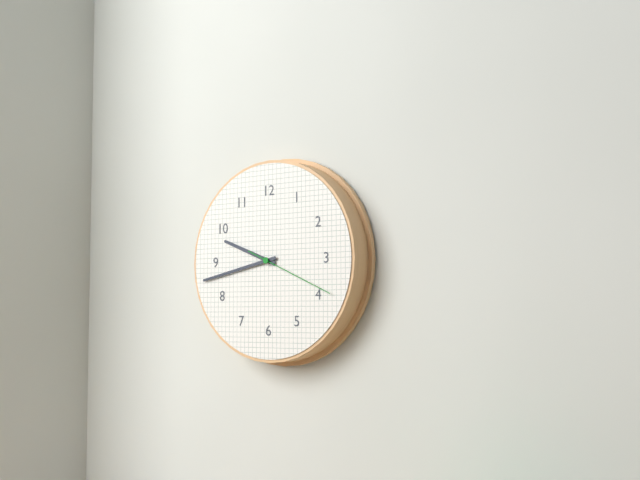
9:43:19
